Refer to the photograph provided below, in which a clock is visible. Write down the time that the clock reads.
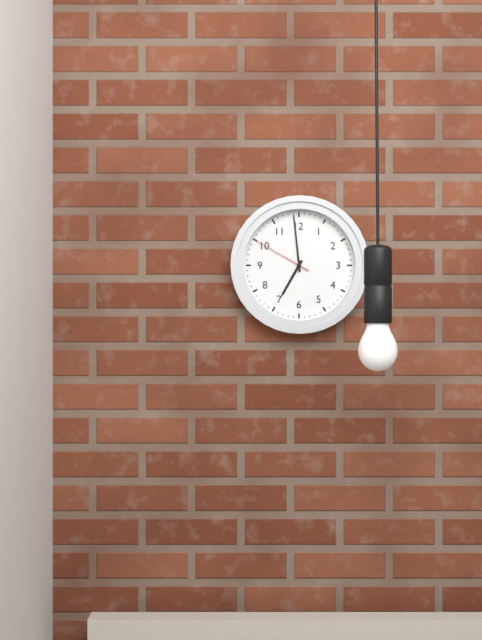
6:59:50
